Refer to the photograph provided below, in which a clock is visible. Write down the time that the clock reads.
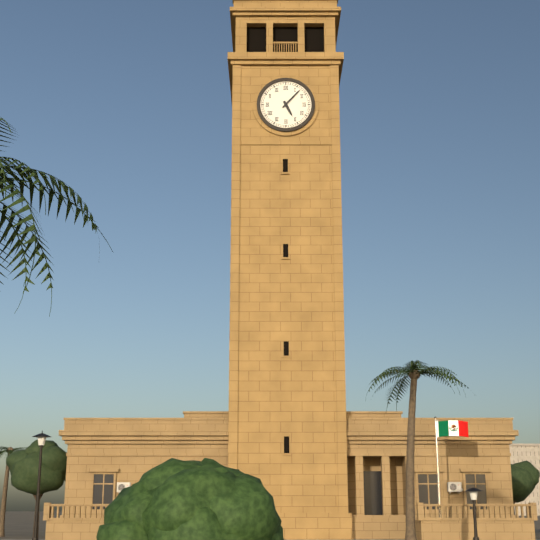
5:07
